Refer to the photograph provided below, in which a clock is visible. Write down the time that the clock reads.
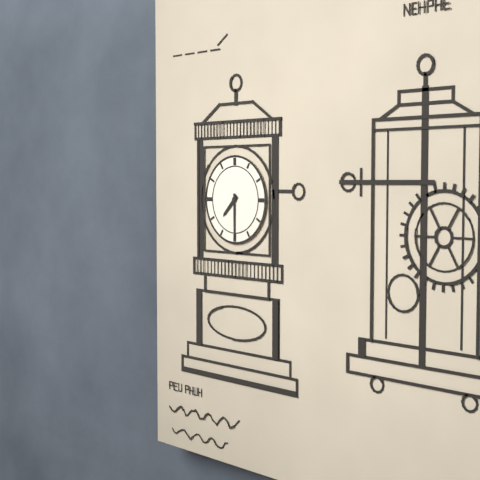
7:30
